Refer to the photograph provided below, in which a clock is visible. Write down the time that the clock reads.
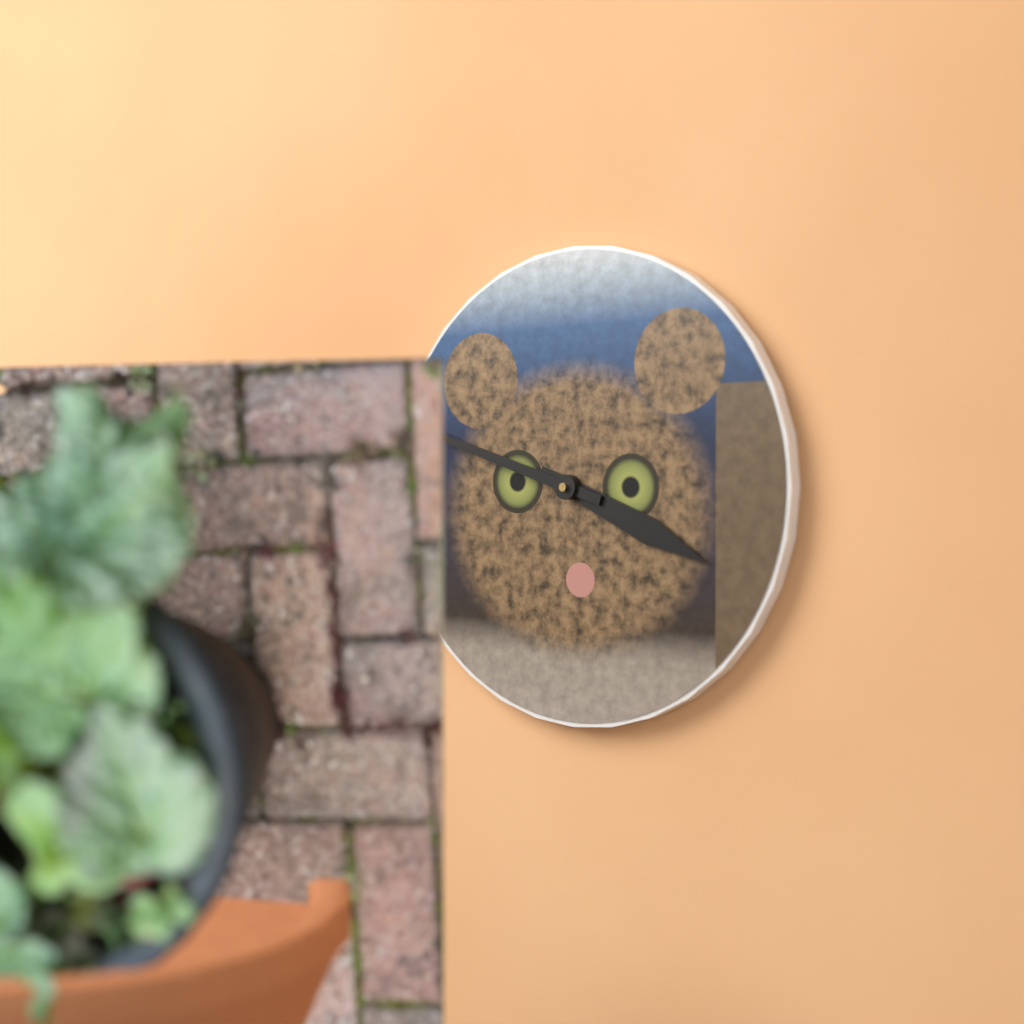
3:48
